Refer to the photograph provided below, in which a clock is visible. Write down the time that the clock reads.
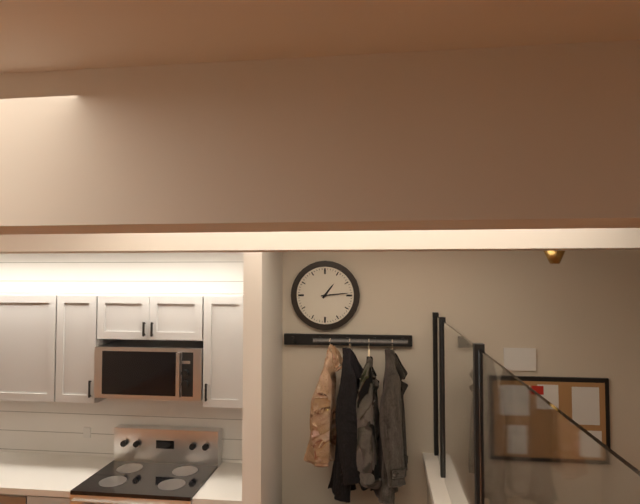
1:14
